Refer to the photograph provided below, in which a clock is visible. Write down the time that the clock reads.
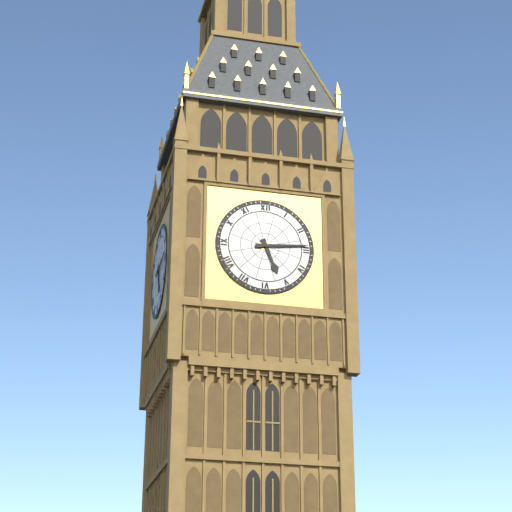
5:14
